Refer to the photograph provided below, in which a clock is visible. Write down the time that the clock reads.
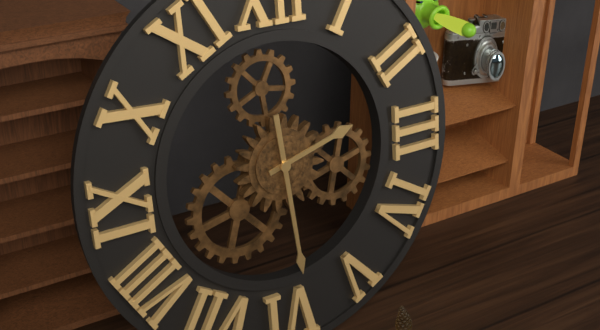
2:29
